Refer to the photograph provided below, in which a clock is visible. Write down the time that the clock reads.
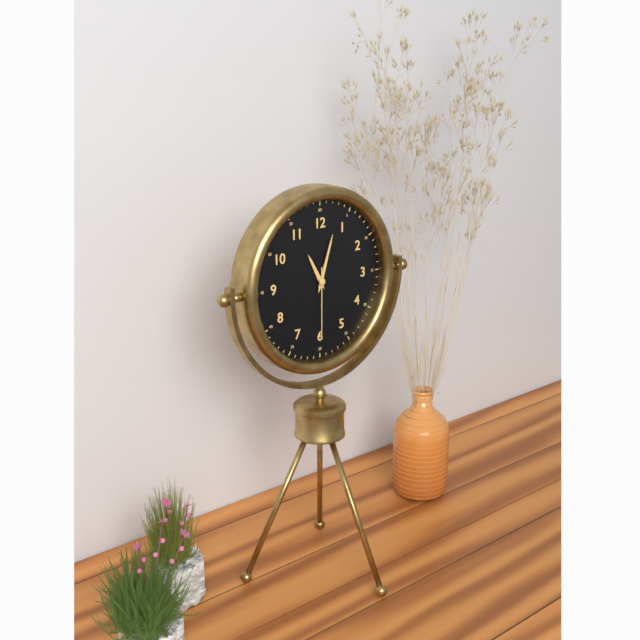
11:03:30
